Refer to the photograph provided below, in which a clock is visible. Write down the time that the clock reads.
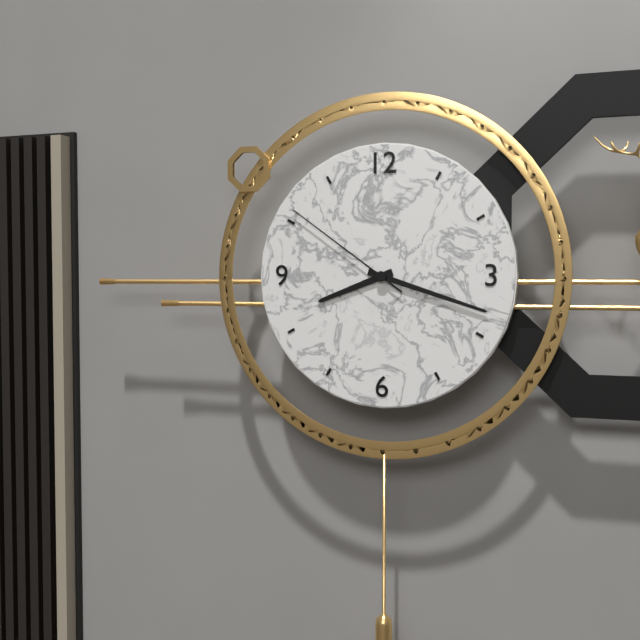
8:18:51
